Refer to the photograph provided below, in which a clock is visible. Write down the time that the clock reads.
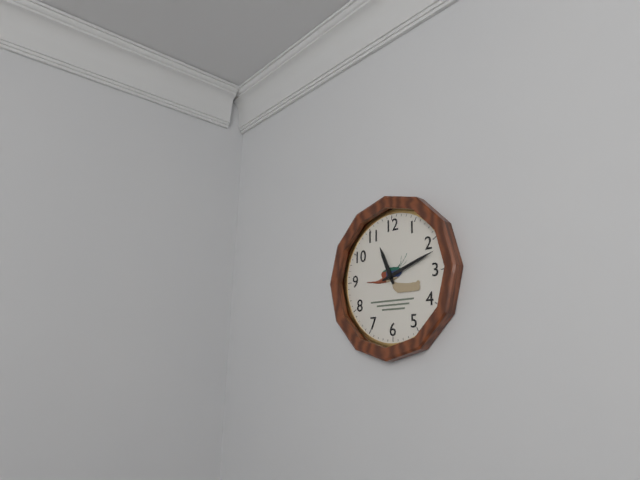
11:12
